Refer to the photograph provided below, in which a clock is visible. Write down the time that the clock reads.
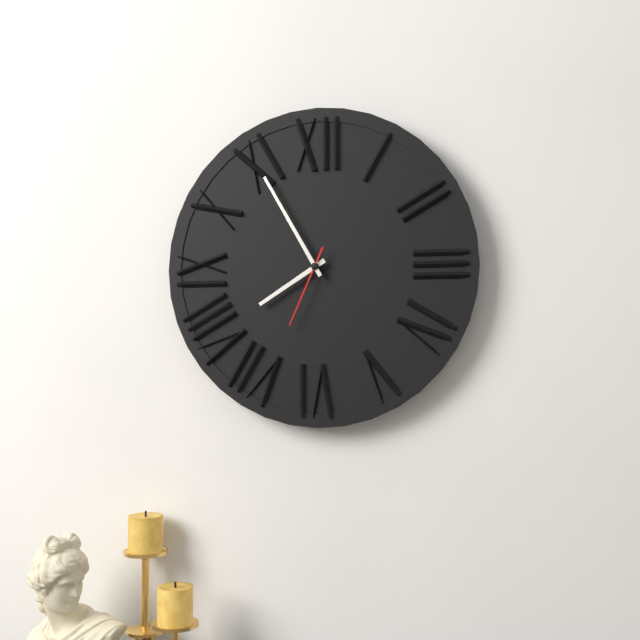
7:55:34
